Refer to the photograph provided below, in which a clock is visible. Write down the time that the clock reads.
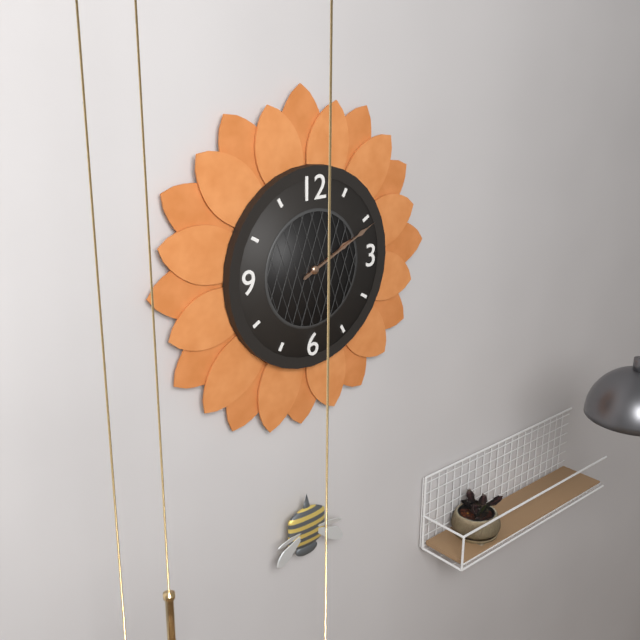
2:11
